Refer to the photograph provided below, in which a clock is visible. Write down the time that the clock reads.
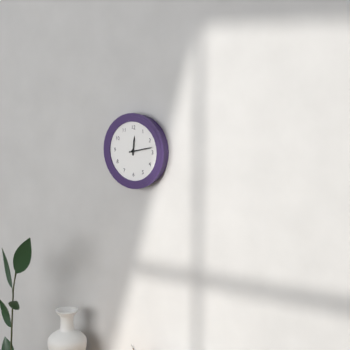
12:13
